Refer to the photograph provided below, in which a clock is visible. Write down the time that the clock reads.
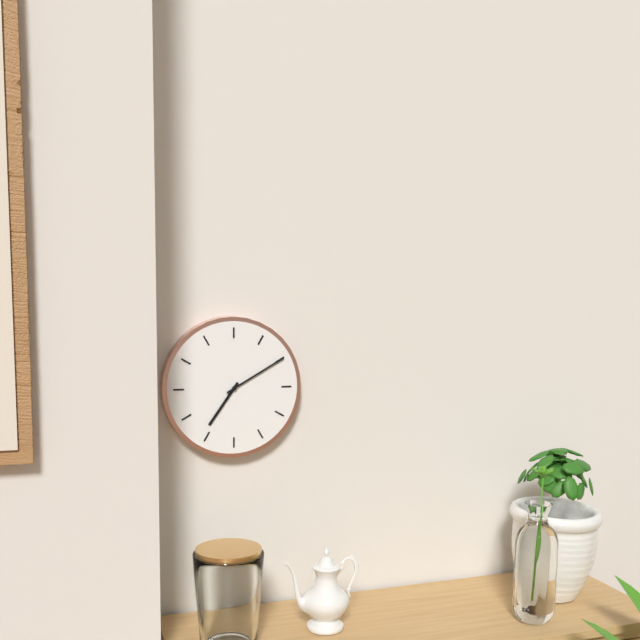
7:10
